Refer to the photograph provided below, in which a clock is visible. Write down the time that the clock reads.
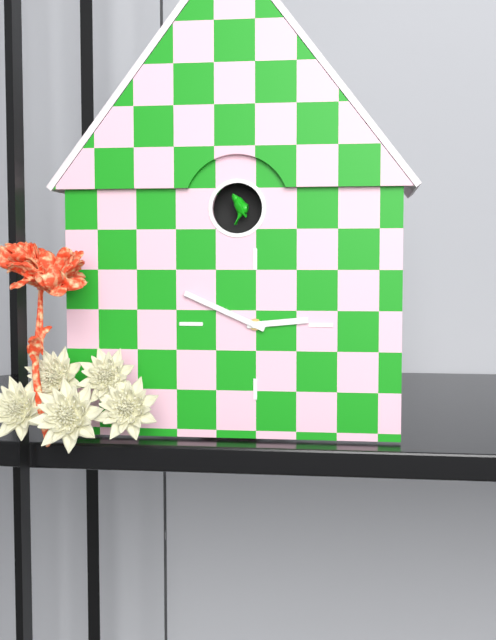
2:49
